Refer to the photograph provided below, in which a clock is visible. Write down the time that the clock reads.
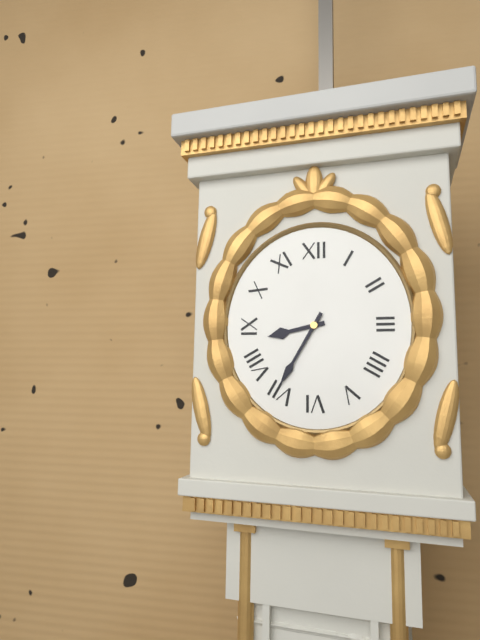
8:35
